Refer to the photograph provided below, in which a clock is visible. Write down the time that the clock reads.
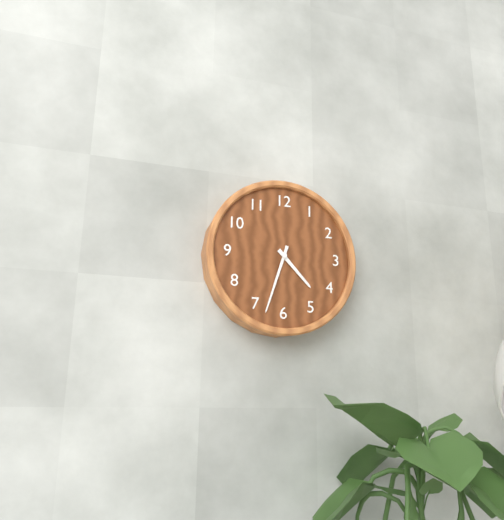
4:33
